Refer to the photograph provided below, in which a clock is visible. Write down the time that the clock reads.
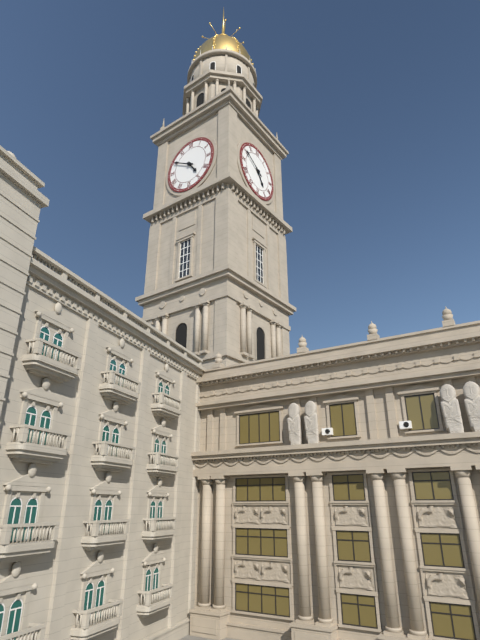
4:50
